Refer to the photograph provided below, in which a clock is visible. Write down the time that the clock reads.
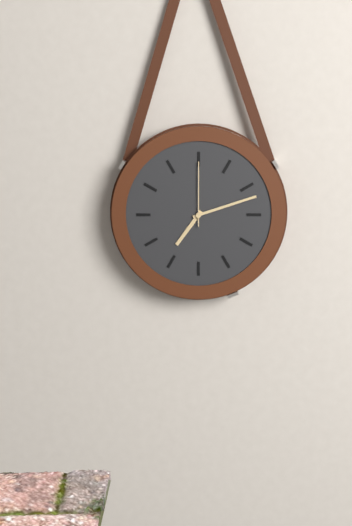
7:12:00
